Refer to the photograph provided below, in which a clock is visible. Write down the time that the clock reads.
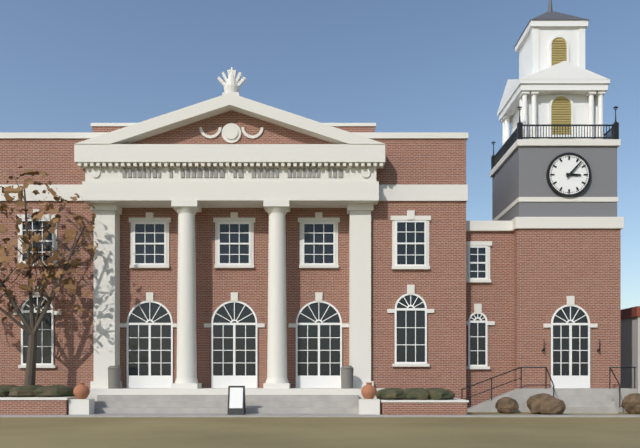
3:07
